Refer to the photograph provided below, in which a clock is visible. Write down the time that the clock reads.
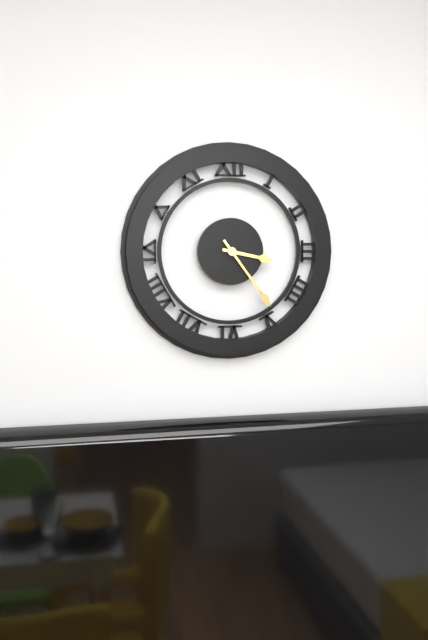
3:24
